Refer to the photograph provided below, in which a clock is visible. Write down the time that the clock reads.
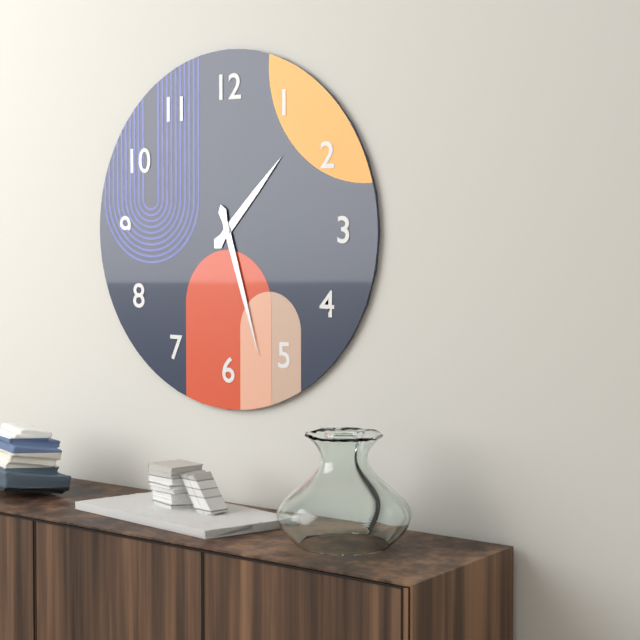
1:27
